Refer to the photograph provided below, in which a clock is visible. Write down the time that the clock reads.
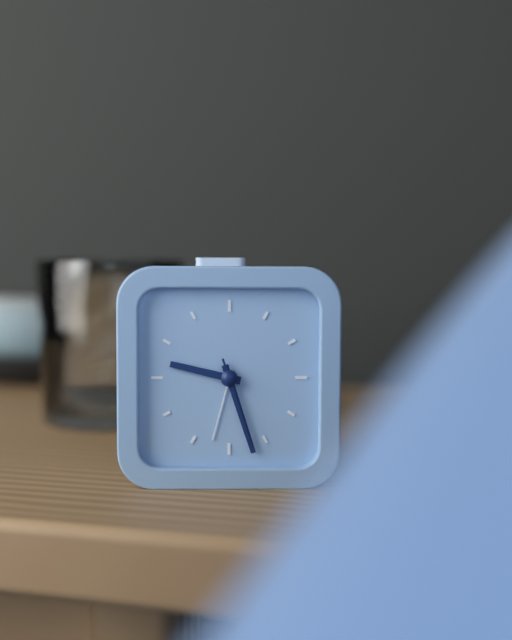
9:27:27
